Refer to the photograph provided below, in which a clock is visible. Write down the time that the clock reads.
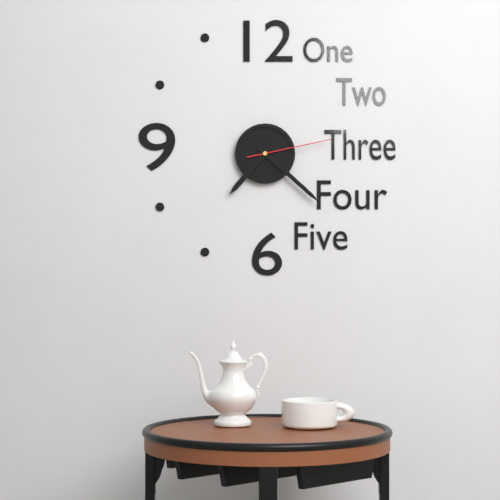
7:22:13
